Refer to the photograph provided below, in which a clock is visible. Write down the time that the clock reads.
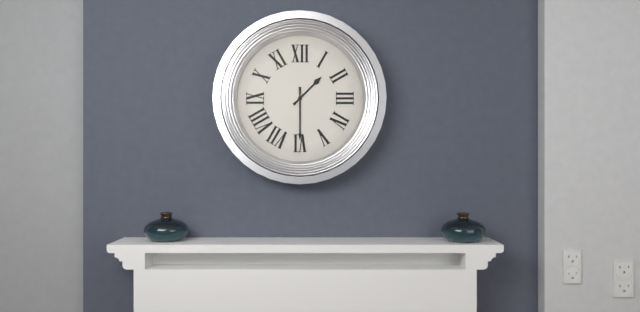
1:30
